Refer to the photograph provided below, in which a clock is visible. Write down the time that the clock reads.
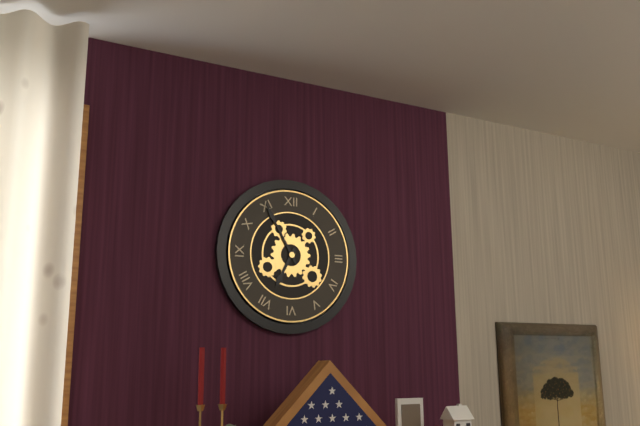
6:55
